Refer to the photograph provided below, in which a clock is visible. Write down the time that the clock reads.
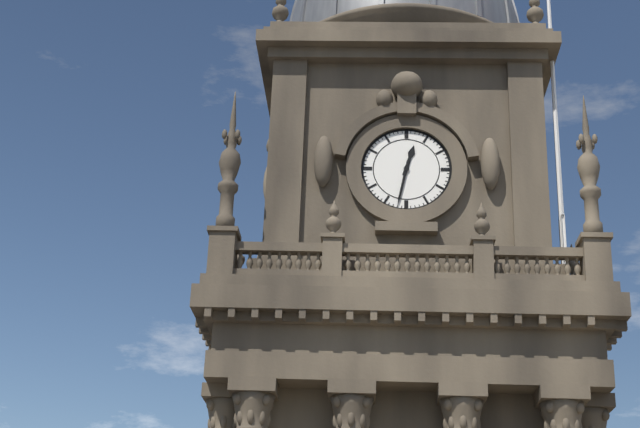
12:32
